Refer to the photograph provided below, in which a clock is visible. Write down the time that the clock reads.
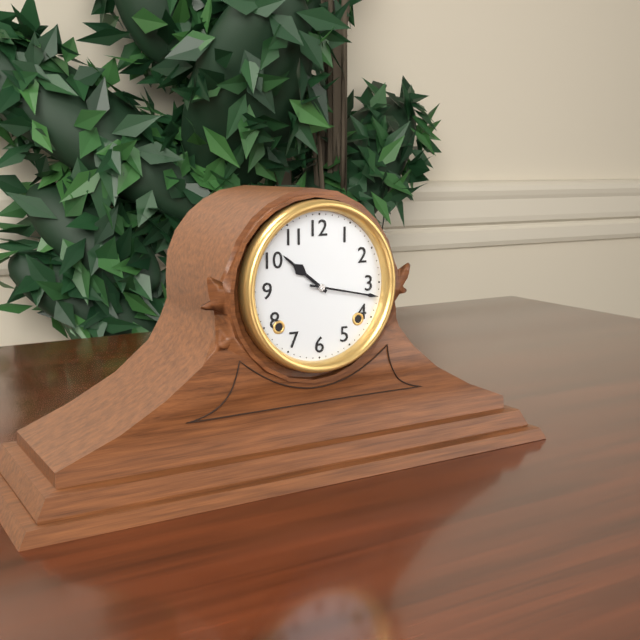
10:17
